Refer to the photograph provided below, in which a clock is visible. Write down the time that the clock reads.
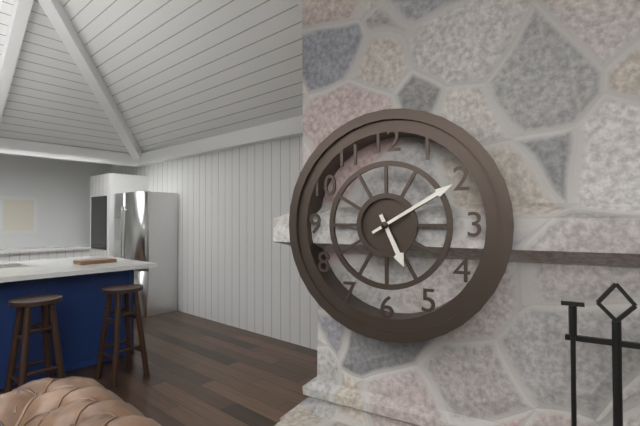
5:10
